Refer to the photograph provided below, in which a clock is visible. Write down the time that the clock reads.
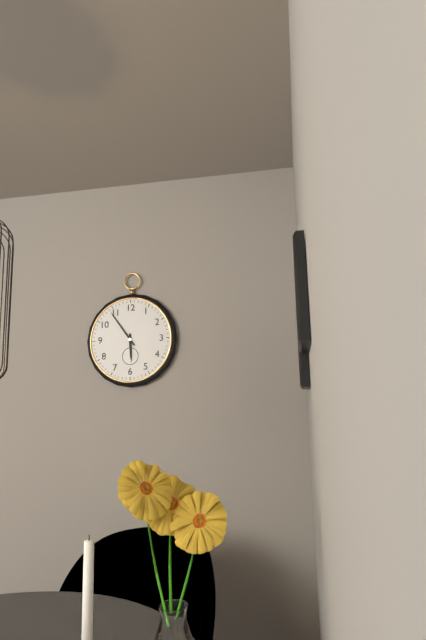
5:54
